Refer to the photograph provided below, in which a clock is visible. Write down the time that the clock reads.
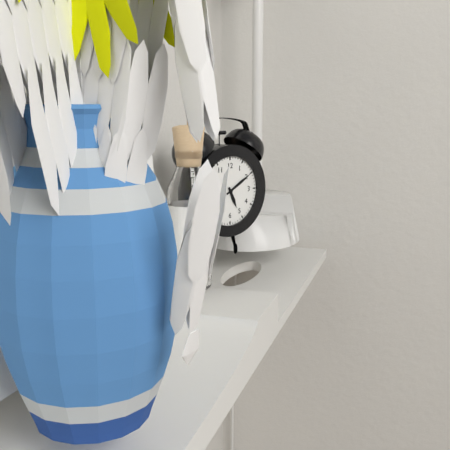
5:10
